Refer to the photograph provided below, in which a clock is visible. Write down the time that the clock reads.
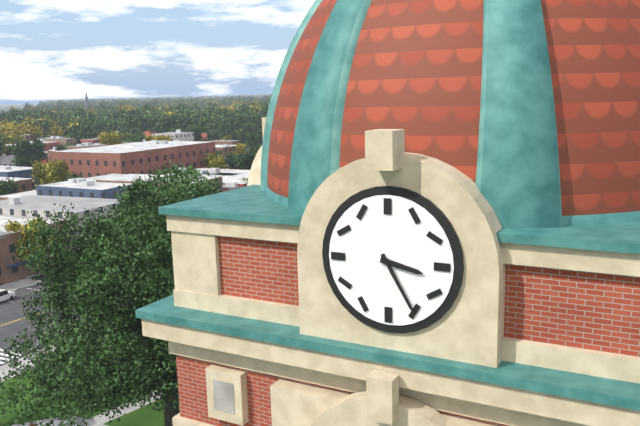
3:25
